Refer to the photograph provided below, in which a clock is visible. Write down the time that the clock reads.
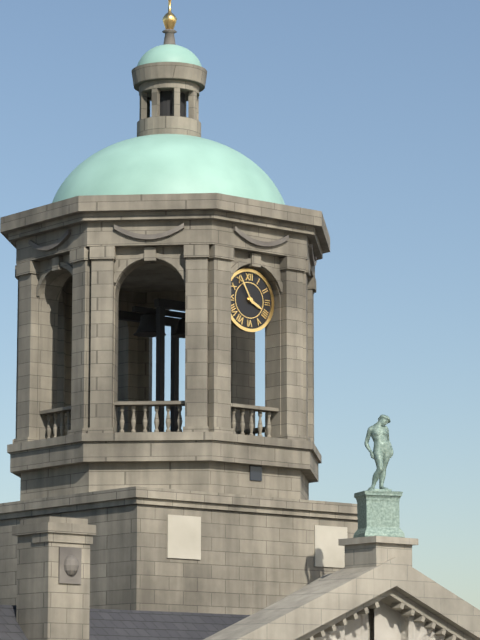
3:55
